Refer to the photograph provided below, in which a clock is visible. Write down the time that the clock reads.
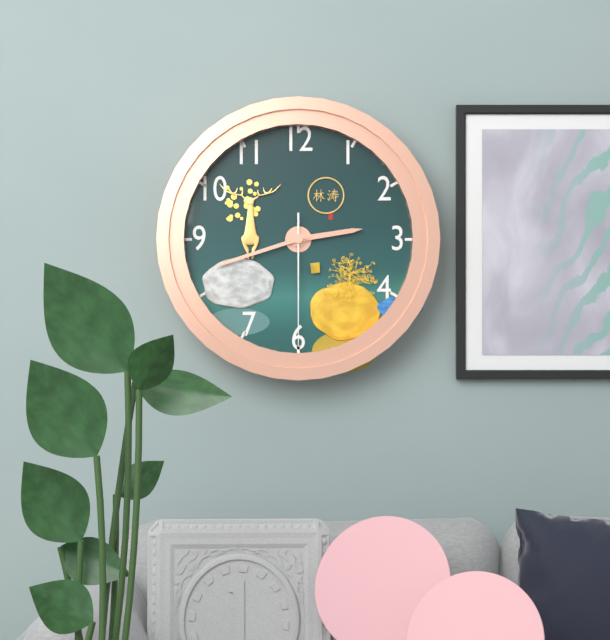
2:42:30
